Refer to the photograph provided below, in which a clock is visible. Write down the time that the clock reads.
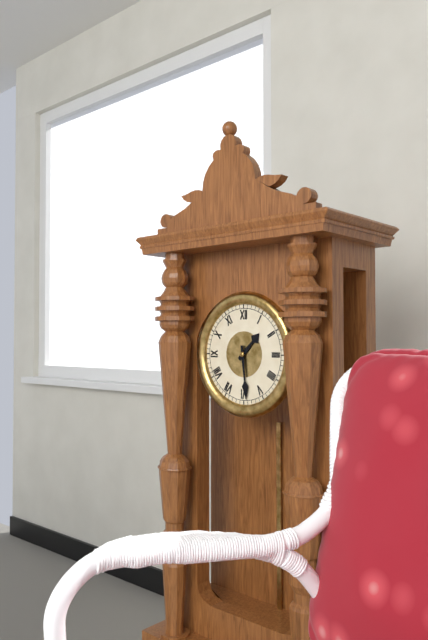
1:29
